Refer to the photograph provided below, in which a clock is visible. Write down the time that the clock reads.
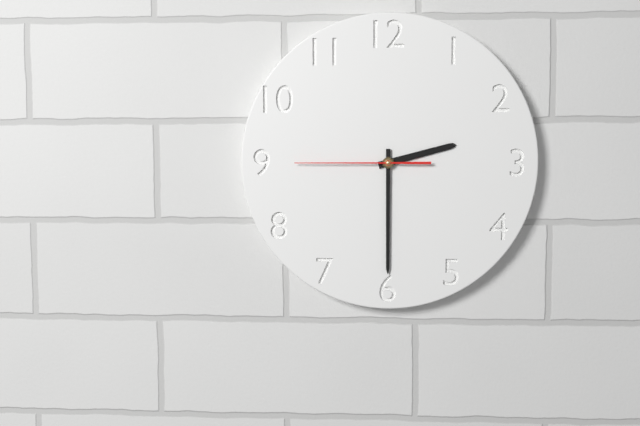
2:30:45
